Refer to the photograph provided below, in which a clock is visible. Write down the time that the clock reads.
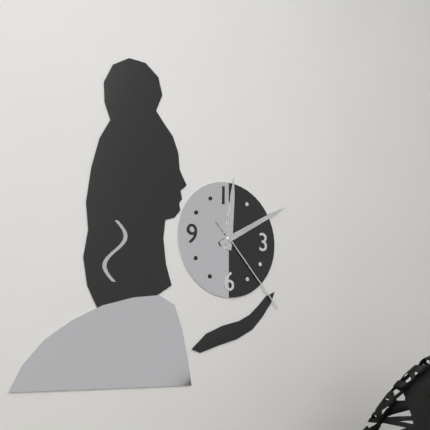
12:10:23
